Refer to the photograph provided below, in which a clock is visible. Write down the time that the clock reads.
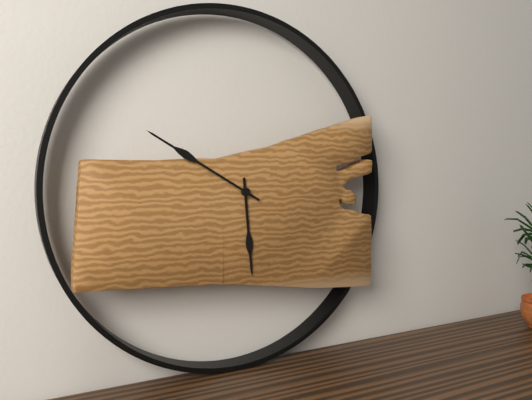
5:50
